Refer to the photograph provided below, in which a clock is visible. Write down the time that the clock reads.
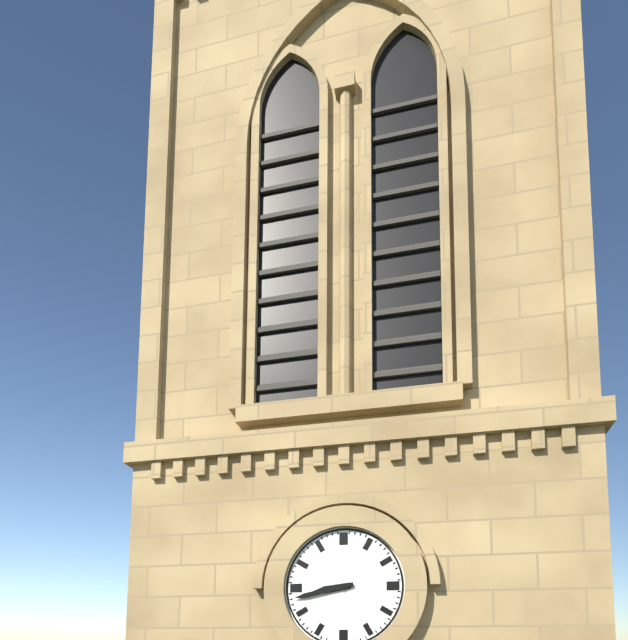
8:43
